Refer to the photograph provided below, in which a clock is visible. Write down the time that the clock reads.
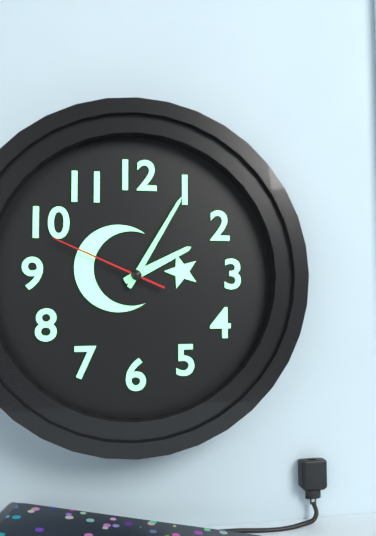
2:05:49
